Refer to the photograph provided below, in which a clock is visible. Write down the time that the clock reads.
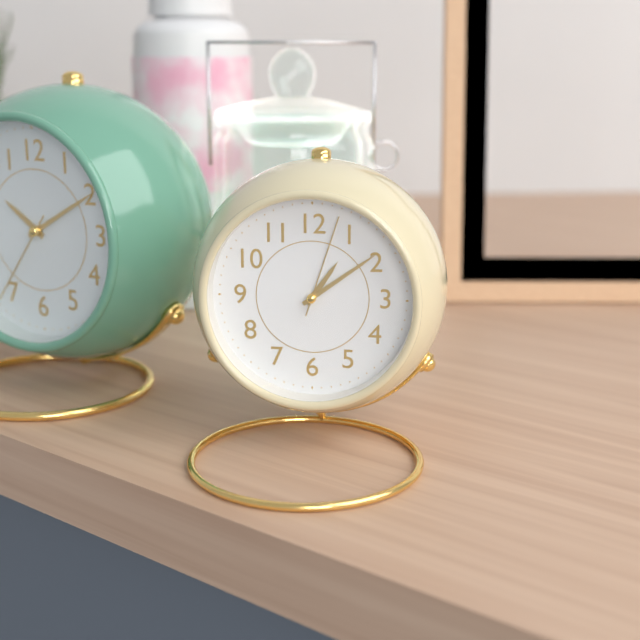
1:09:03
